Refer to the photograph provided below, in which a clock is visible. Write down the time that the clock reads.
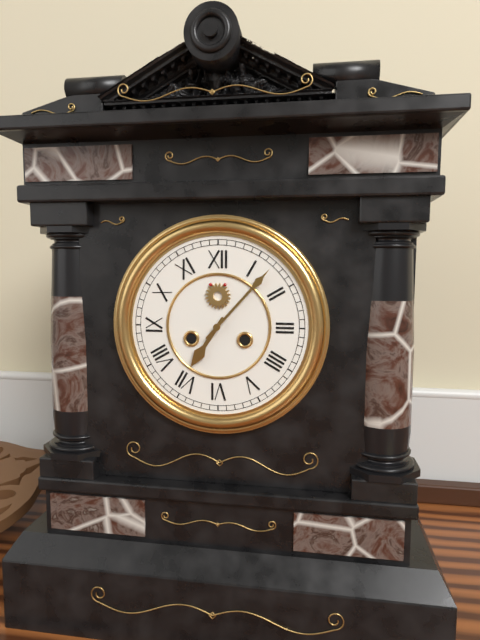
7:07
